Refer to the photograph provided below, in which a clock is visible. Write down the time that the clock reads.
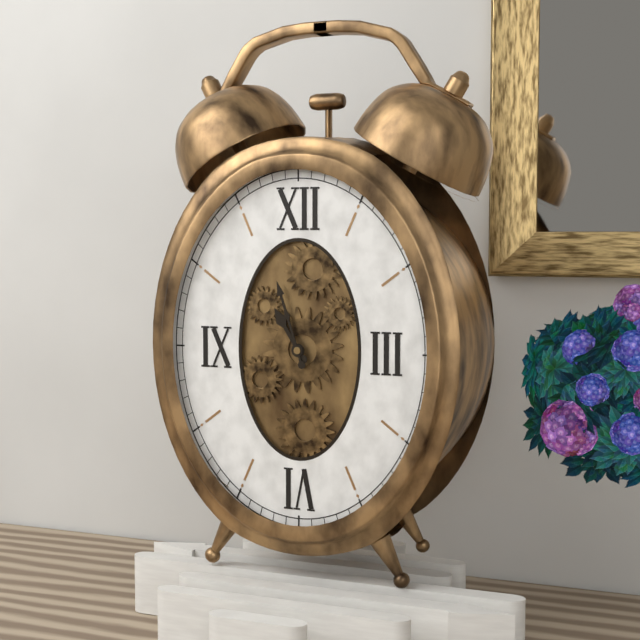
10:57
